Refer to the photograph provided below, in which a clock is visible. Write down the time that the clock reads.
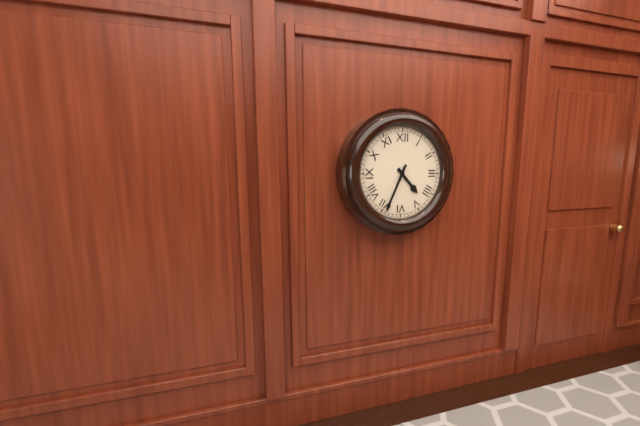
4:34
